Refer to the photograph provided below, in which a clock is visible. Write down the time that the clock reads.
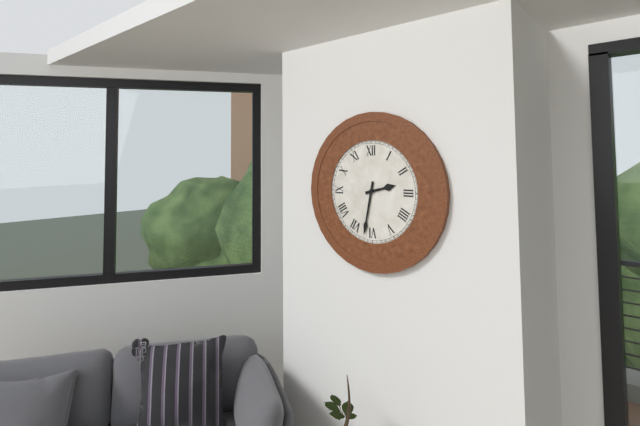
2:32
